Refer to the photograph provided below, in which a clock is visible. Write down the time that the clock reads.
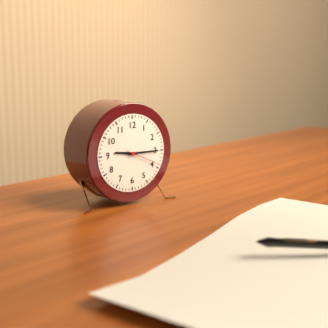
9:15
